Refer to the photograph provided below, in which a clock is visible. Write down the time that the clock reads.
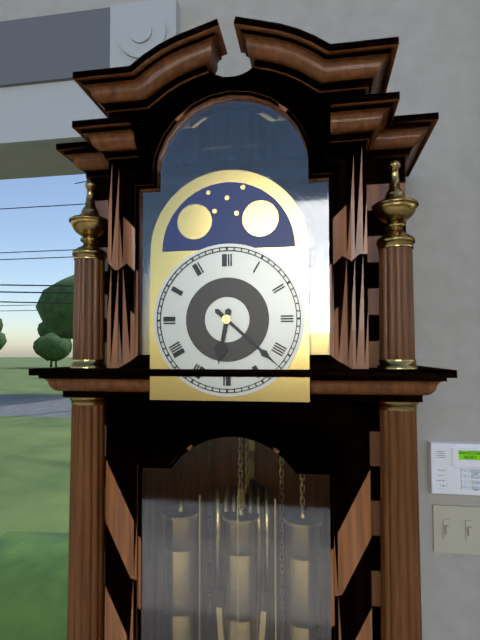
6:22
